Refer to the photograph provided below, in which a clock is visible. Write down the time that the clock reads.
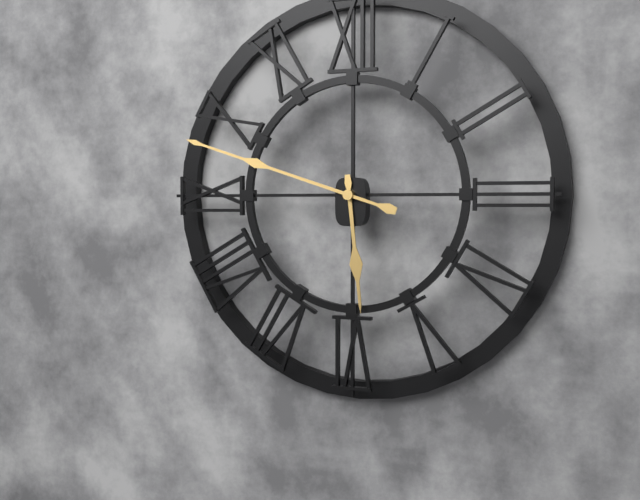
5:48
